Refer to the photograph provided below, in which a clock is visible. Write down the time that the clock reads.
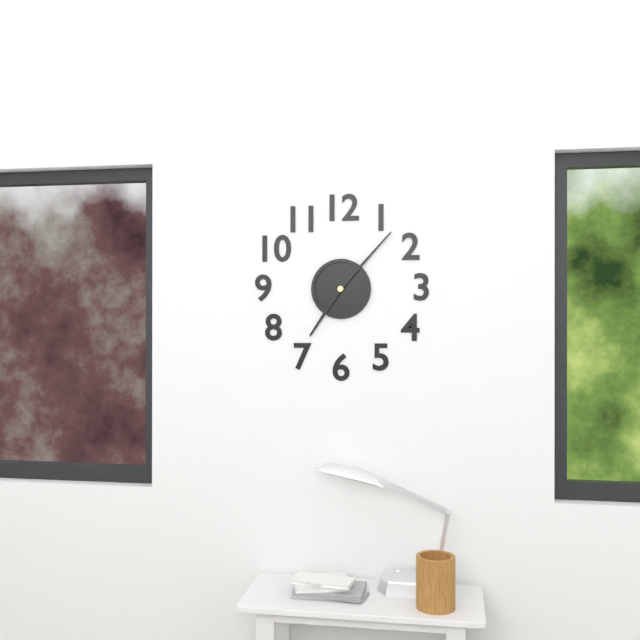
7:07
